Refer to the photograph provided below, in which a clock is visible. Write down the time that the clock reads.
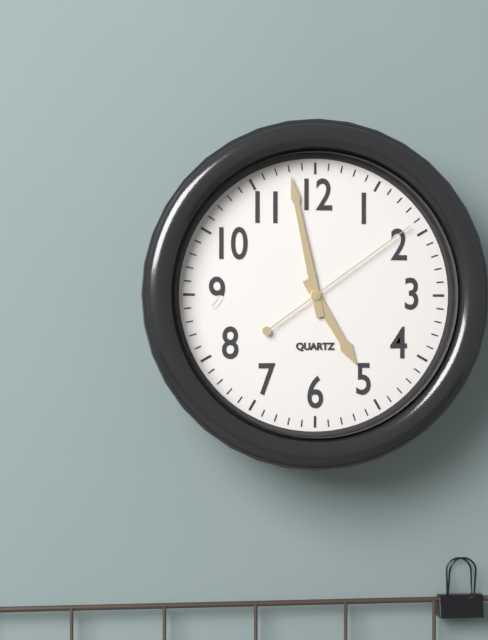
4:58:09
